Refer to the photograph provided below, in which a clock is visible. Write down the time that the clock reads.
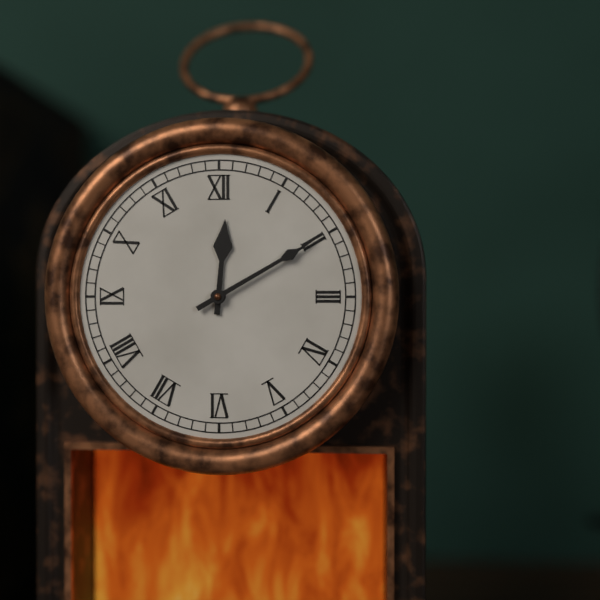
12:10
